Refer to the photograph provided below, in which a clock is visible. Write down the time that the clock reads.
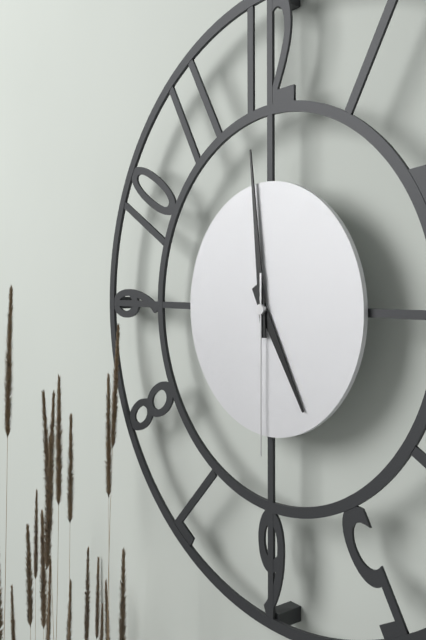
4:59:30
